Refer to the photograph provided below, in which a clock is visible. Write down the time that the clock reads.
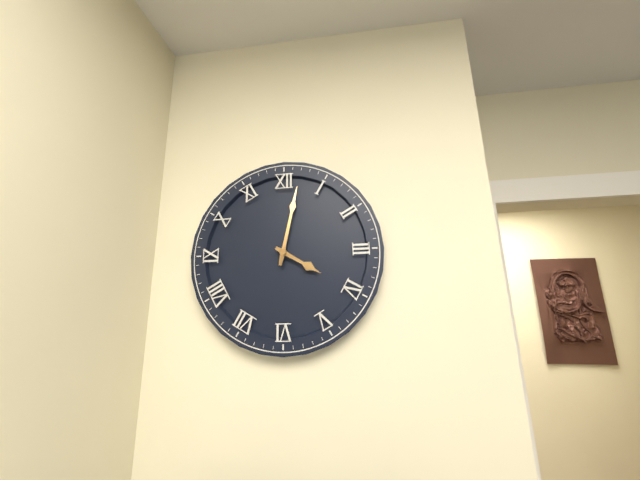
4:02
